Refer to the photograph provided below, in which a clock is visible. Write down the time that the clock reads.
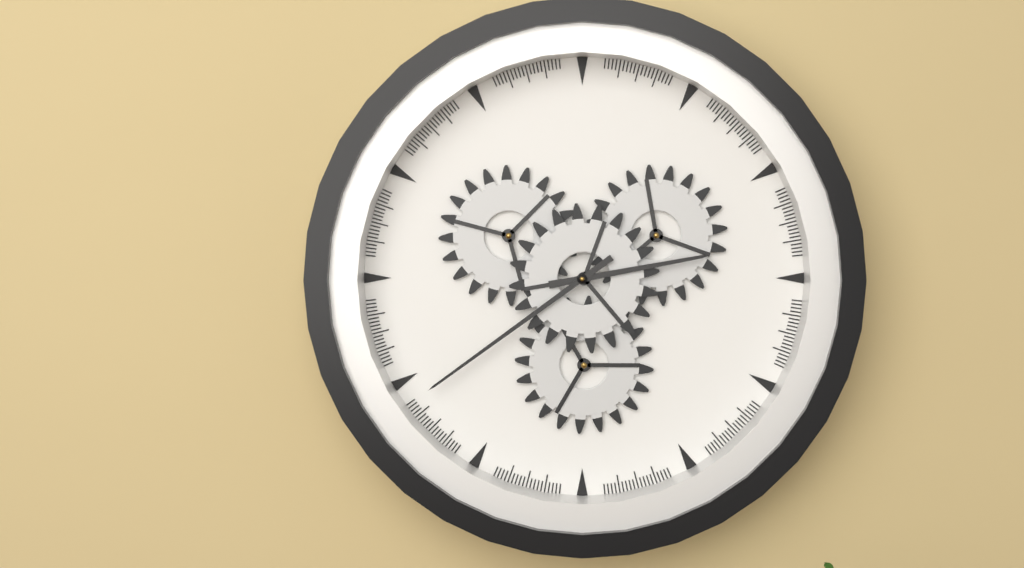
2:39
